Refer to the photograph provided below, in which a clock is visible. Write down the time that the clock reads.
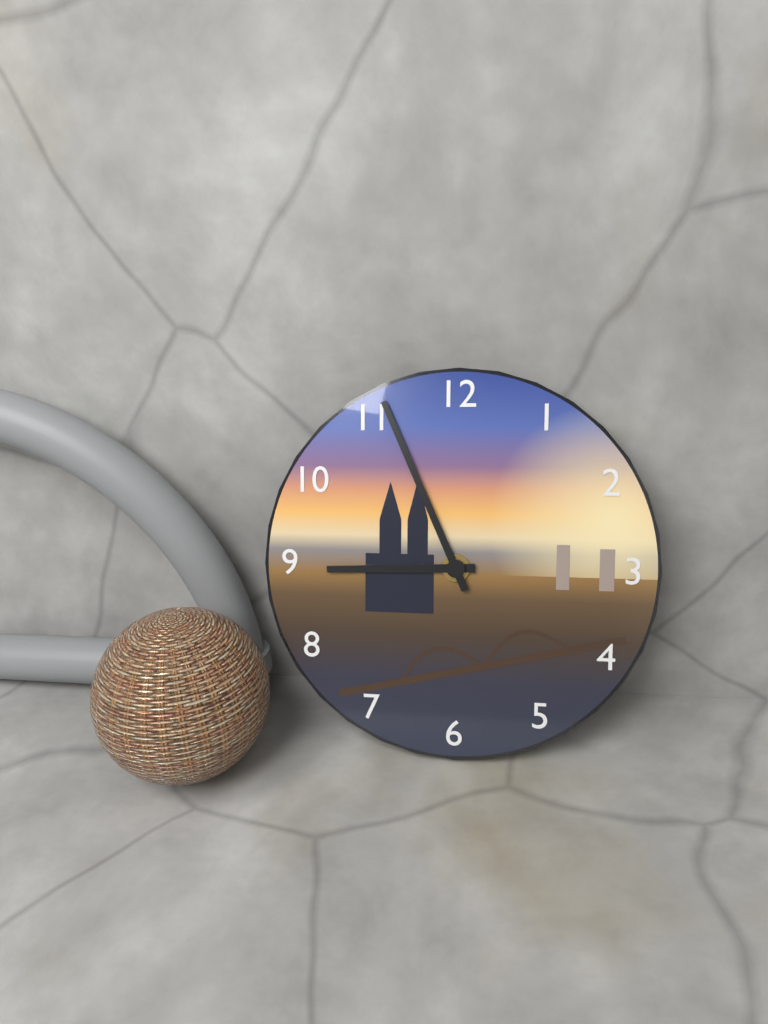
8:56
